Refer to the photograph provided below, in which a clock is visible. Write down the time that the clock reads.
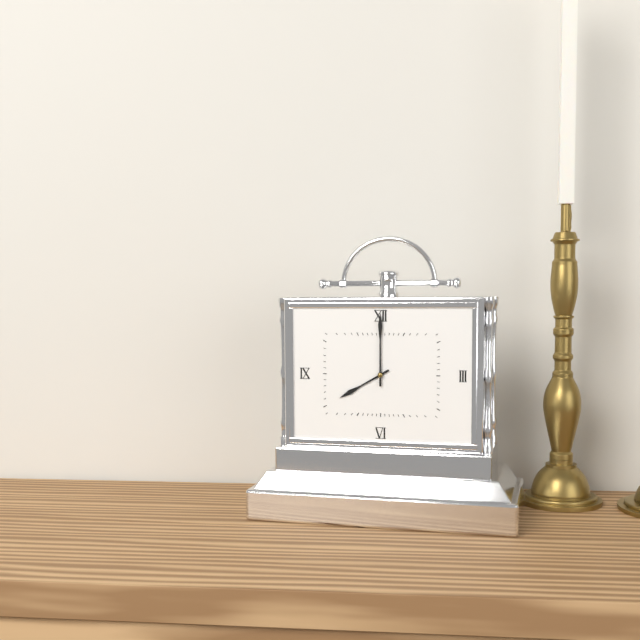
8:00
